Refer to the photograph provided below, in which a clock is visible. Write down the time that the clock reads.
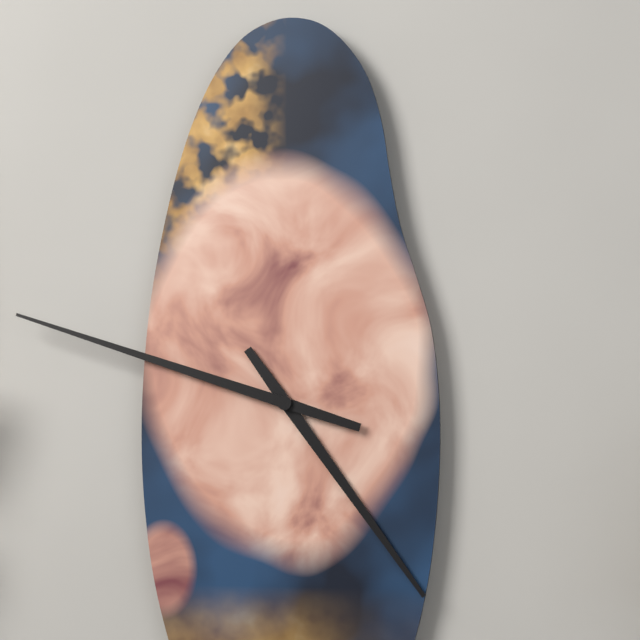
4:48
